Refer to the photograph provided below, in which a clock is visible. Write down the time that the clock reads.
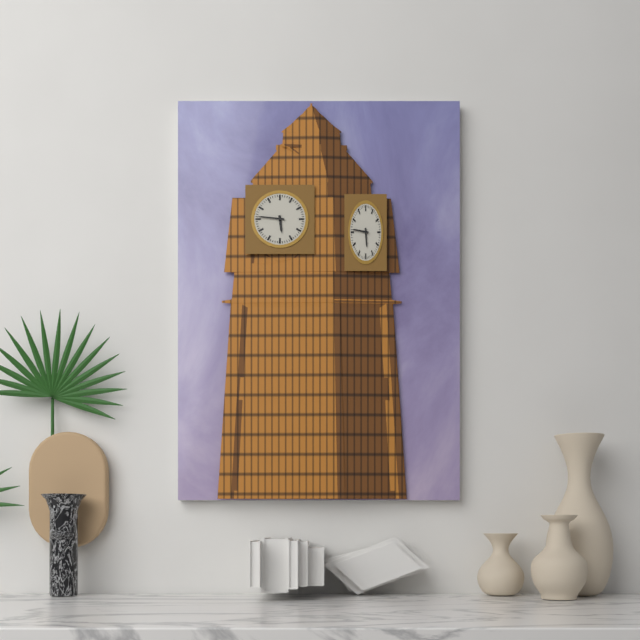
5:46
